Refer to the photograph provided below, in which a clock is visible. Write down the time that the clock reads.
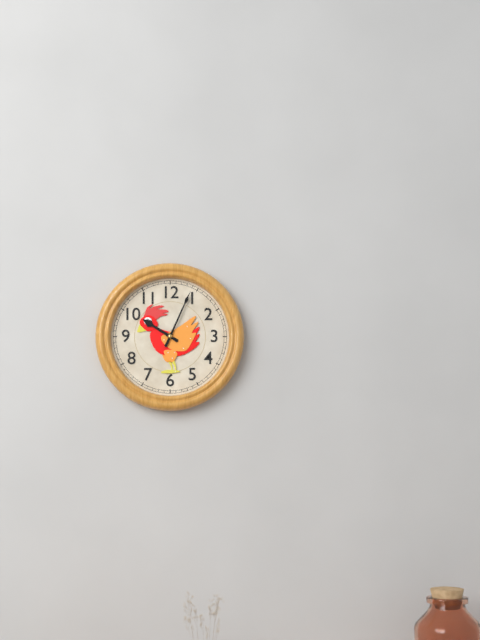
10:04
